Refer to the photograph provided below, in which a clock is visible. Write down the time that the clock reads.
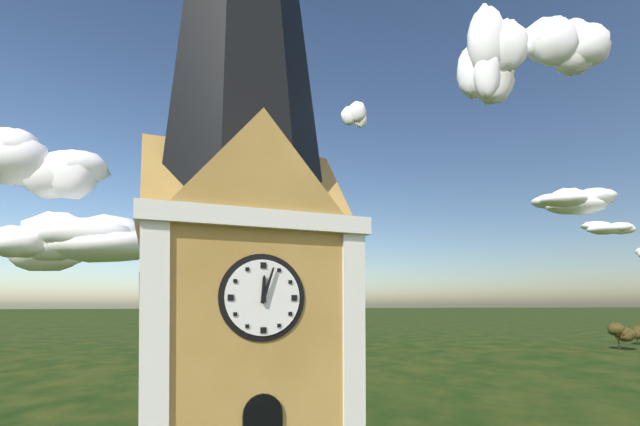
12:03
